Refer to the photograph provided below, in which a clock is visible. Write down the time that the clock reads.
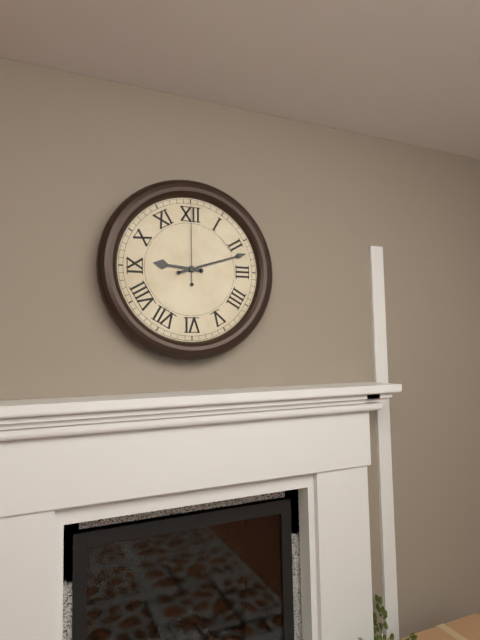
9:12:00
